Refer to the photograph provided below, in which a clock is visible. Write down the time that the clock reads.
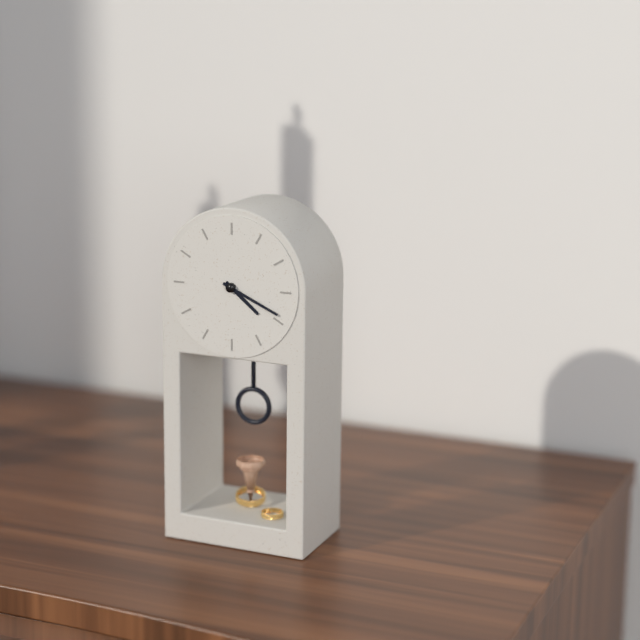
4:19
